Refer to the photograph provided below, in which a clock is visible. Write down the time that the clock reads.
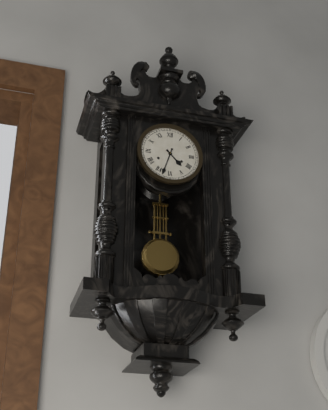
4:33
